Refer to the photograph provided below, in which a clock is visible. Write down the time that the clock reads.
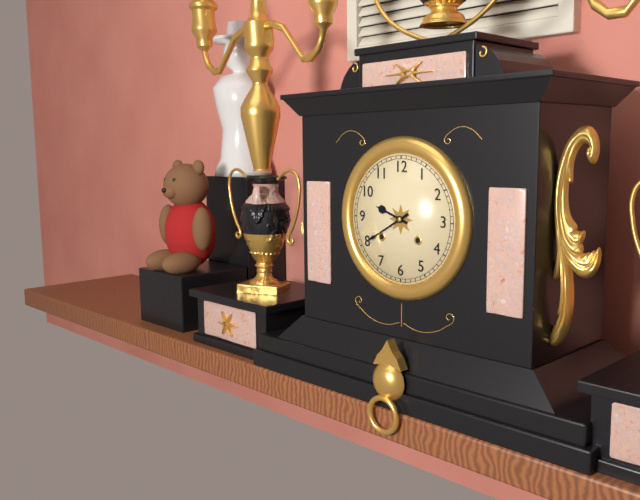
9:40
